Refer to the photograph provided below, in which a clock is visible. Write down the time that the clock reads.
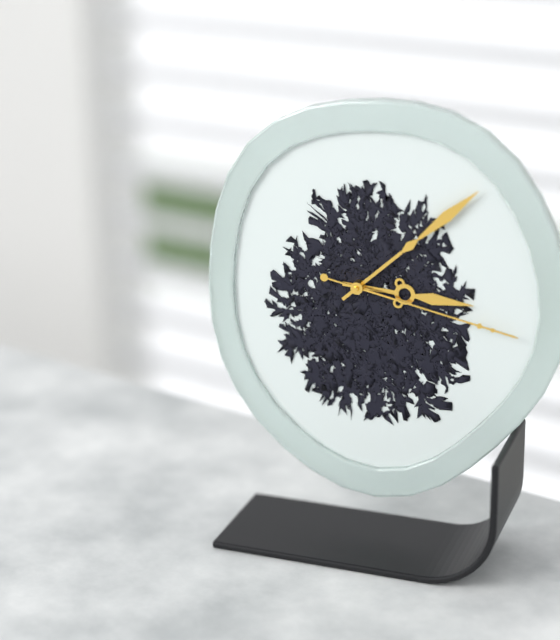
3:08:17
